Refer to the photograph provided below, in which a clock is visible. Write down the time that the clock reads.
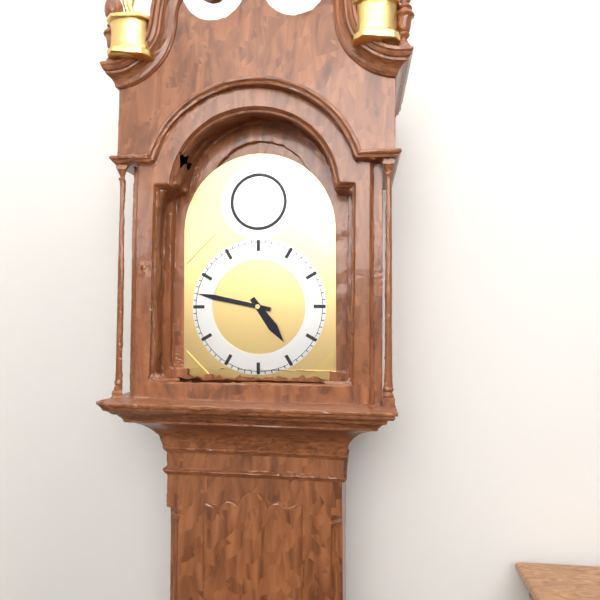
4:47
